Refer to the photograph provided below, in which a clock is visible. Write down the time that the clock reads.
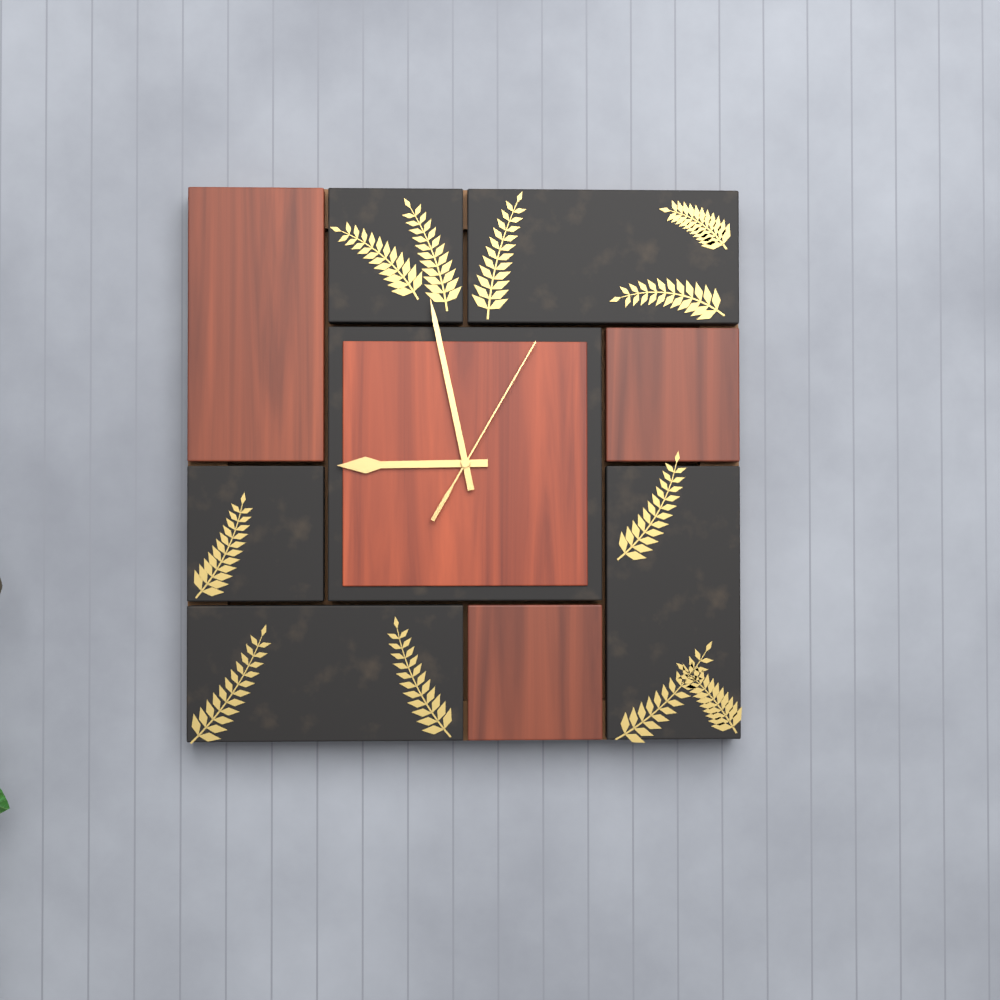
8:58:05
